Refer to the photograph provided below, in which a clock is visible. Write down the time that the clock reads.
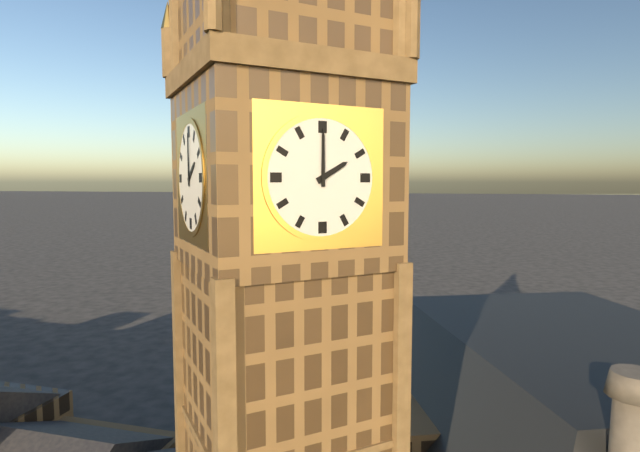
2:00
